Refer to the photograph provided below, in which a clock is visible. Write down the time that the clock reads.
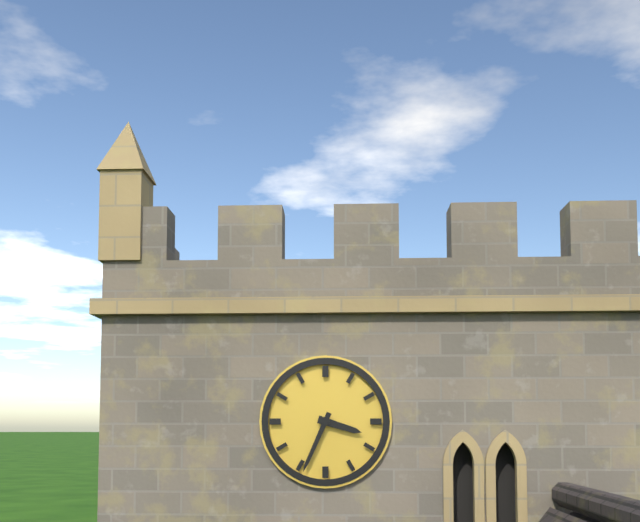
3:34
